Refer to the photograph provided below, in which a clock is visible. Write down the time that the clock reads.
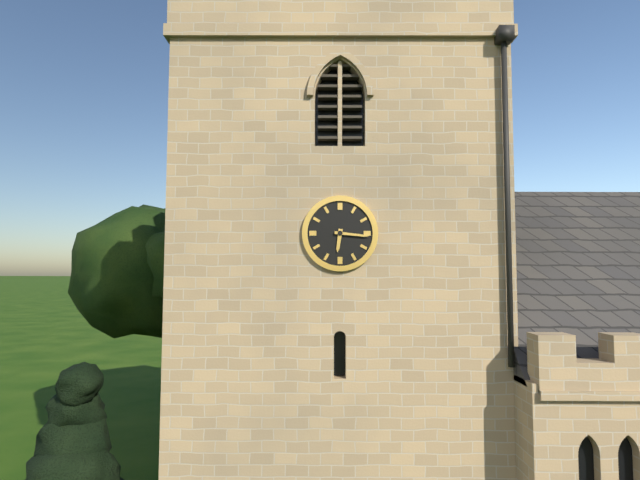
6:16
